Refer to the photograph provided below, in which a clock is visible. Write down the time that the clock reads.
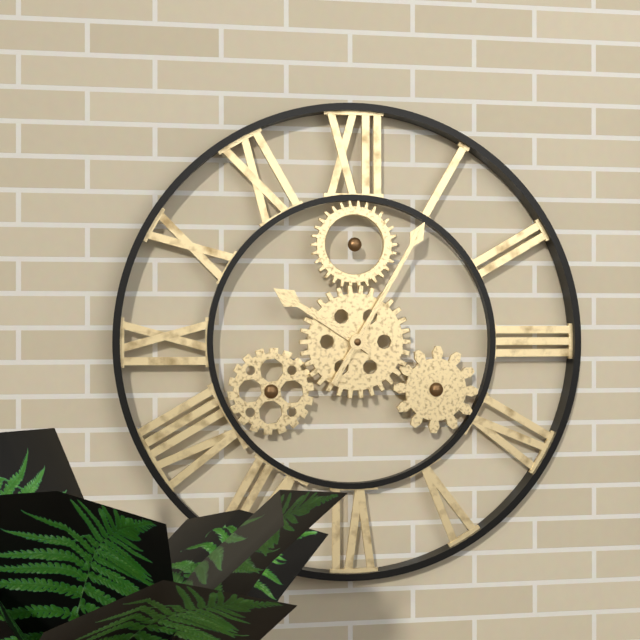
10:05
